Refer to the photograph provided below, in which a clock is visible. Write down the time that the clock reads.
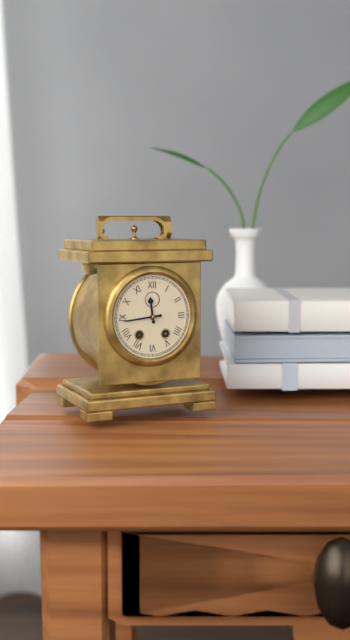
11:44
